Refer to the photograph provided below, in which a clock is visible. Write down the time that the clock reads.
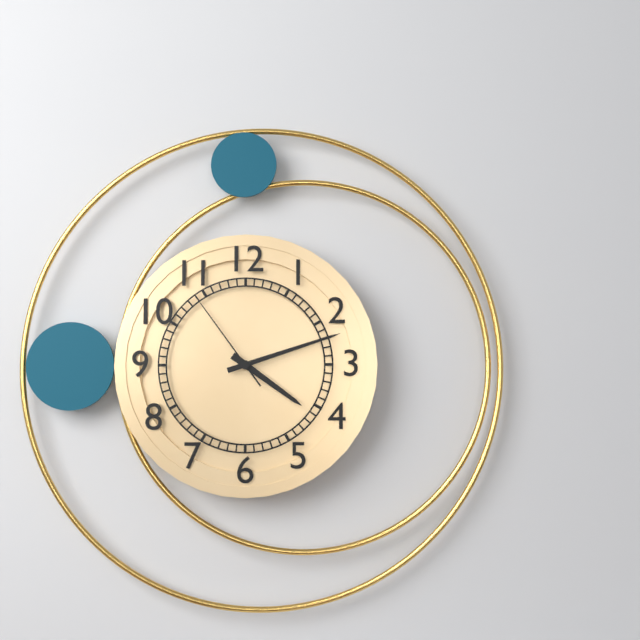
4:12:54
